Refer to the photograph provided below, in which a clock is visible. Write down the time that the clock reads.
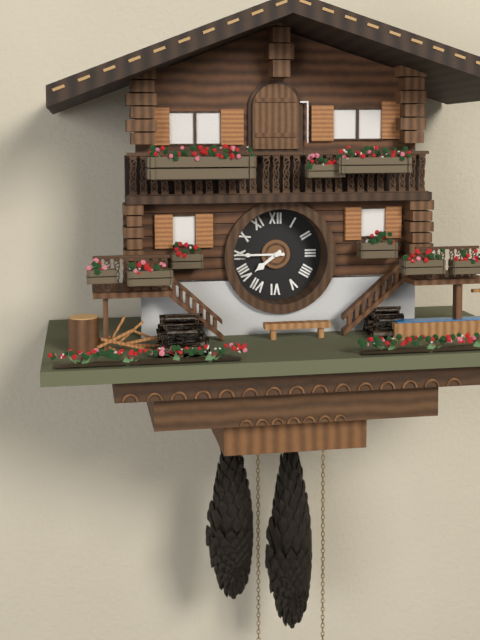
7:45
